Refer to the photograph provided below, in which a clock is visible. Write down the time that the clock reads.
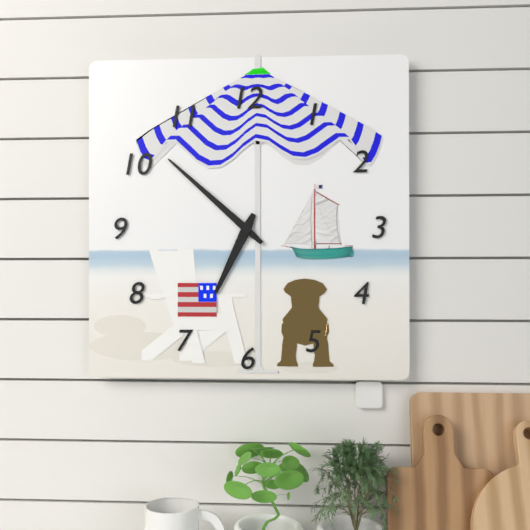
6:52
